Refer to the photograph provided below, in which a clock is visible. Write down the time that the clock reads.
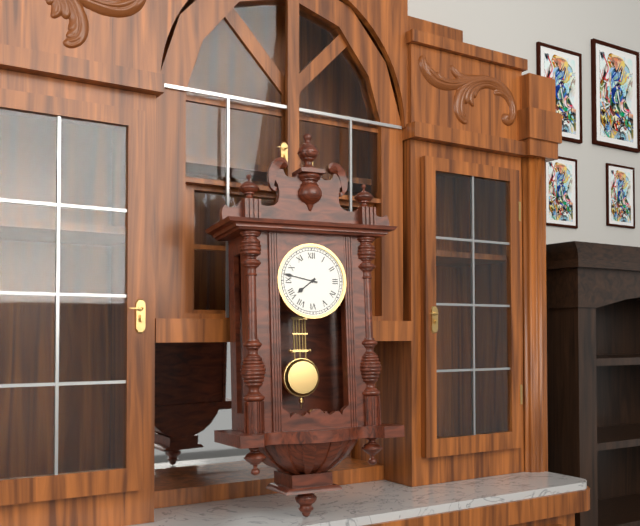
7:47
